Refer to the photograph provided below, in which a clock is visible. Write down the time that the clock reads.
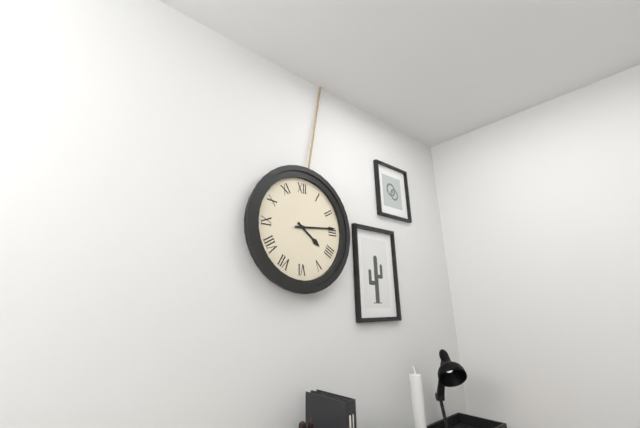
4:14
